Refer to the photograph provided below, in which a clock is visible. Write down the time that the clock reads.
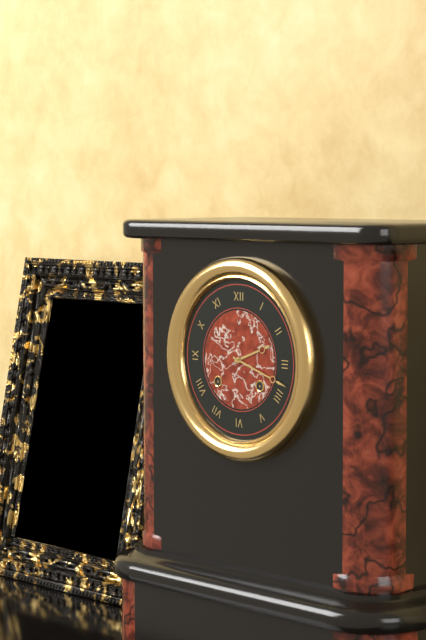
2:18
